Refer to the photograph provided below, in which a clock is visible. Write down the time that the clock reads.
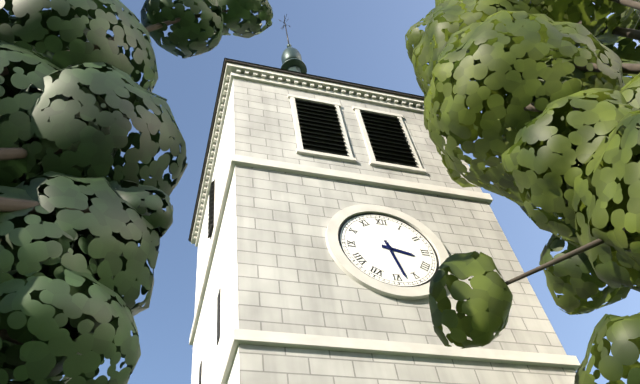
3:28
